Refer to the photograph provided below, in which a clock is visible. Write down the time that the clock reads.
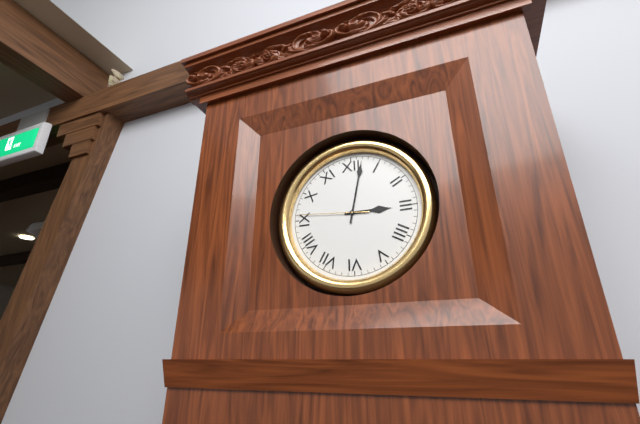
3:02:46
